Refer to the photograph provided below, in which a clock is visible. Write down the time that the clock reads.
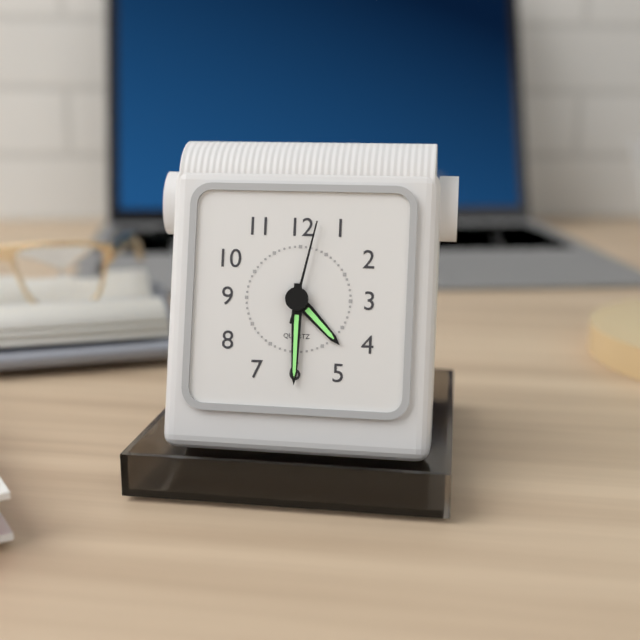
4:30:02
